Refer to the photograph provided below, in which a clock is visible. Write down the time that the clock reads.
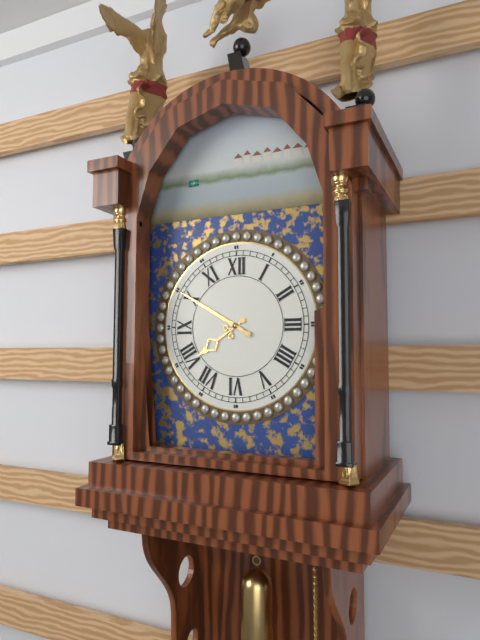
7:50
